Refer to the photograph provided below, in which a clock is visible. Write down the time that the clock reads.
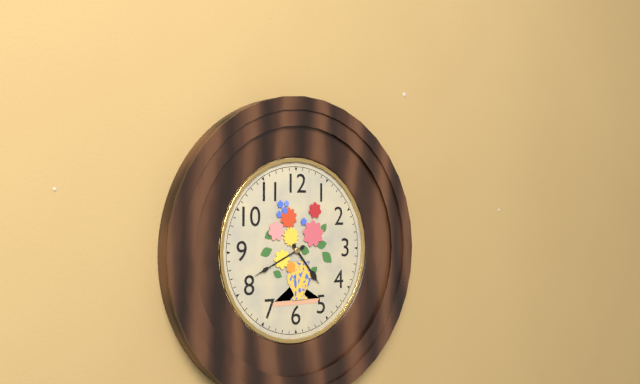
4:41
